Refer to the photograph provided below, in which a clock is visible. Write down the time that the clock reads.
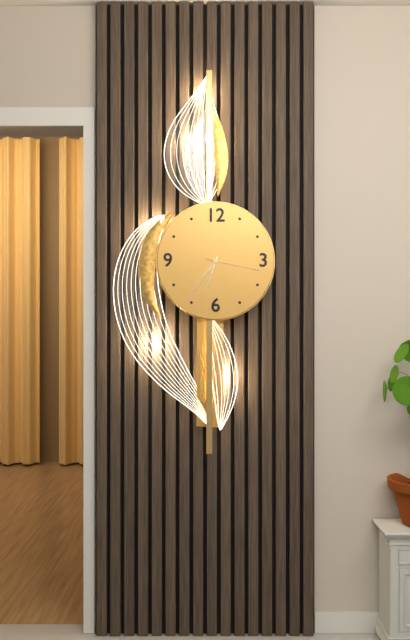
6:36:17
